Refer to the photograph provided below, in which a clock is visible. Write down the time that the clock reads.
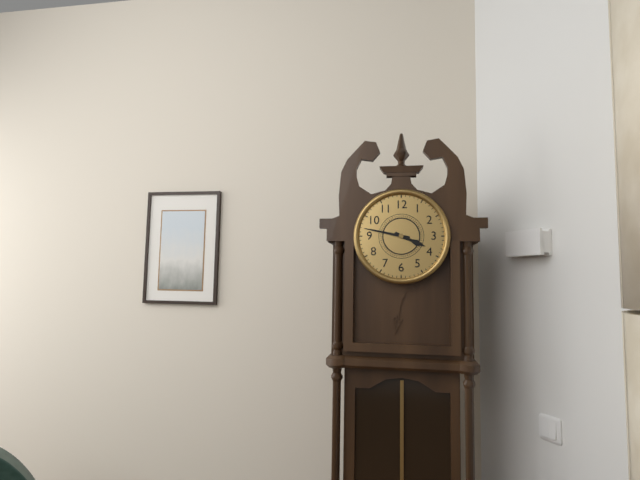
3:47
